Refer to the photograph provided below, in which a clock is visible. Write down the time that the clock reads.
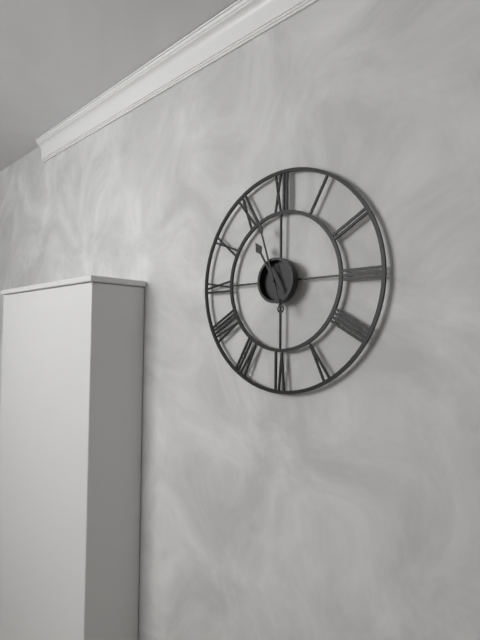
10:57
